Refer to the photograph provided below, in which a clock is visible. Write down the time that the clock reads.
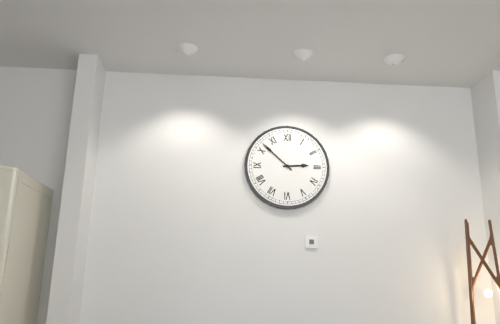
2:52
